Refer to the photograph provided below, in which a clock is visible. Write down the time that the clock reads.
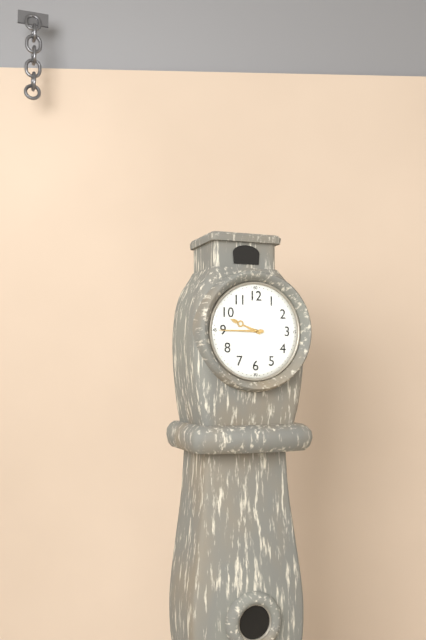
9:45
